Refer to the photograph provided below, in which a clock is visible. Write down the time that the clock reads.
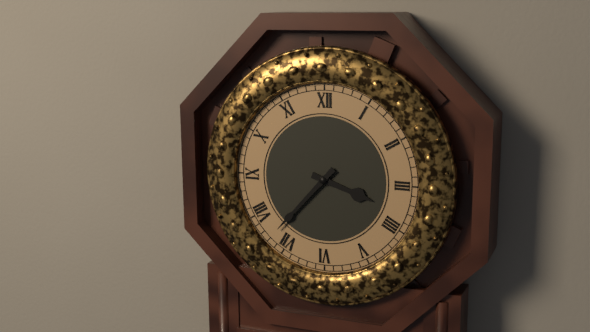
3:37
